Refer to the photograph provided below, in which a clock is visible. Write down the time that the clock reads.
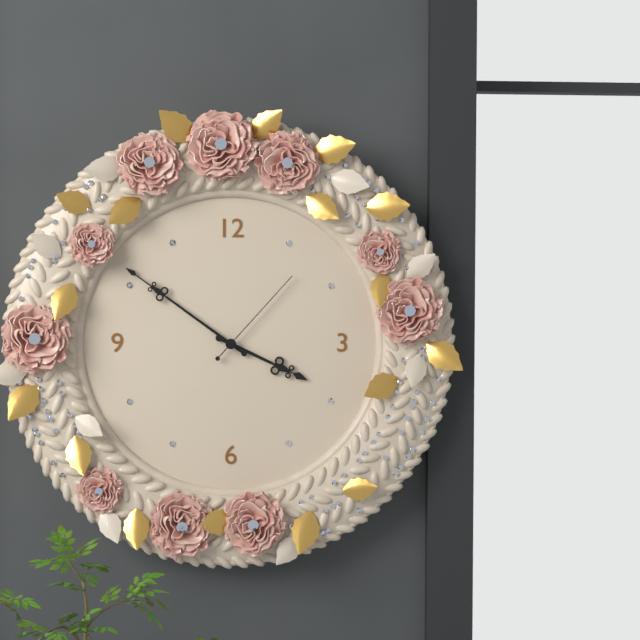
3:51:07
